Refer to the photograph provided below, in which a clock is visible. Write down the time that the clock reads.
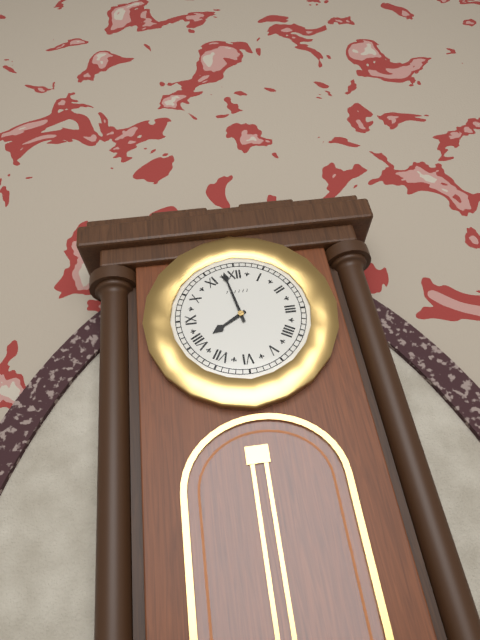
7:58
